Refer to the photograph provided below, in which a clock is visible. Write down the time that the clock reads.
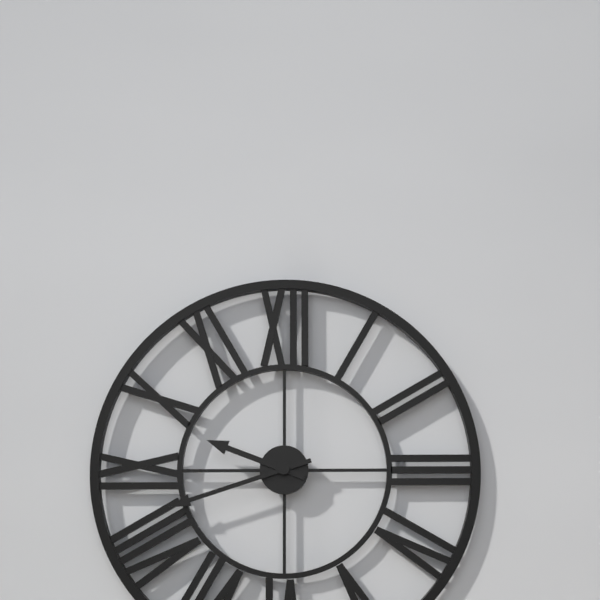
9:42
